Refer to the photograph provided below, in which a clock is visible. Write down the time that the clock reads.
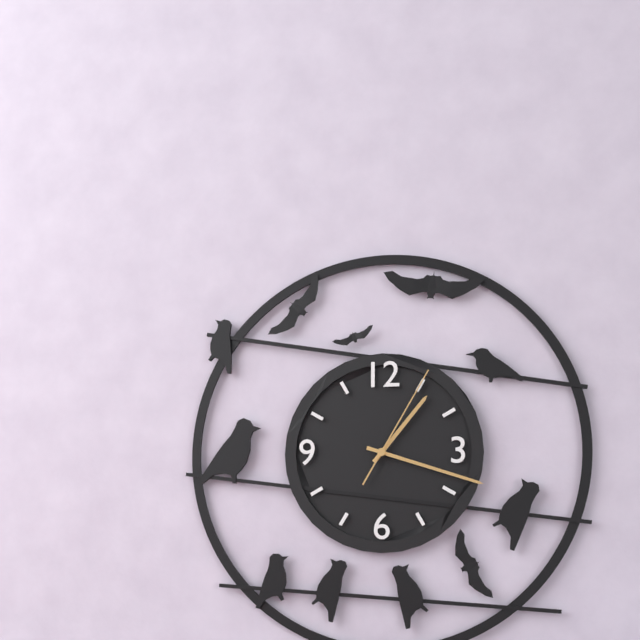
1:18:05
